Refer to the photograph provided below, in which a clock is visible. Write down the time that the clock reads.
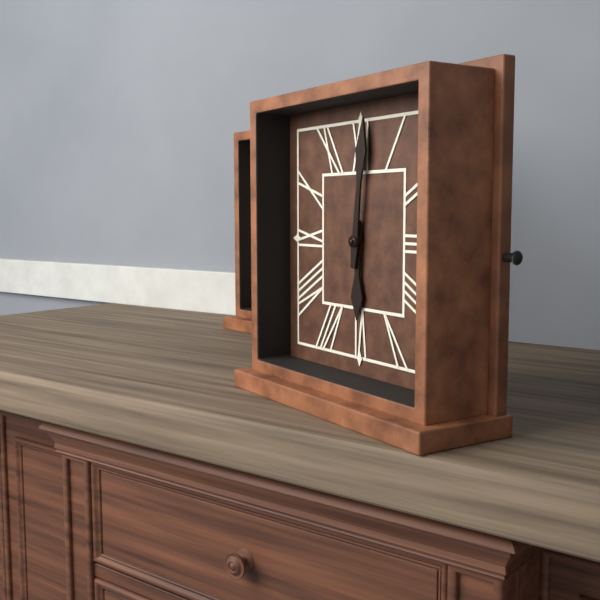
6:01
